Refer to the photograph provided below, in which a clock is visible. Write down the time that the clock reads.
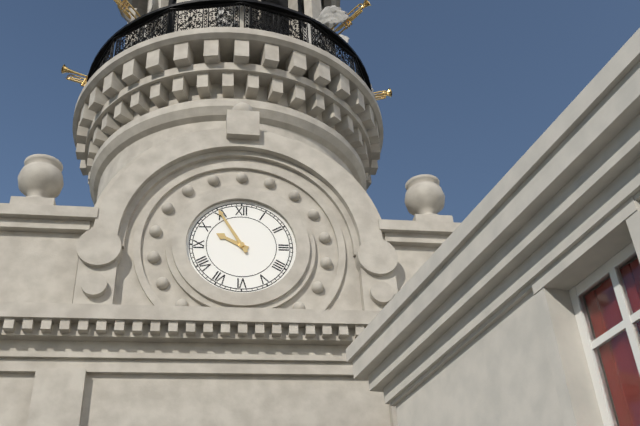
9:55
